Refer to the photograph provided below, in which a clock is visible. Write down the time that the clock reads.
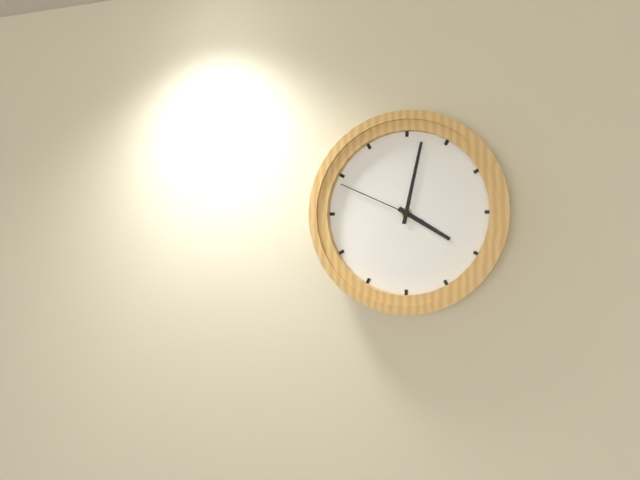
4:02:49
